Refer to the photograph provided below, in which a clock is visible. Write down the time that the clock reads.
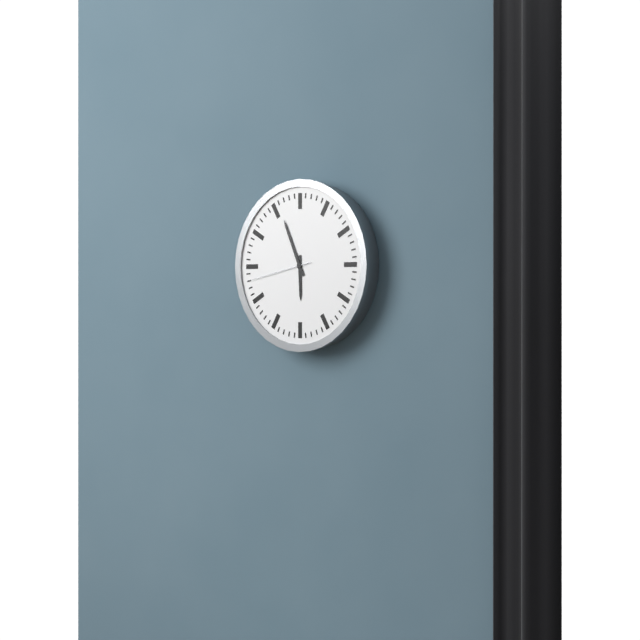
5:56:43
